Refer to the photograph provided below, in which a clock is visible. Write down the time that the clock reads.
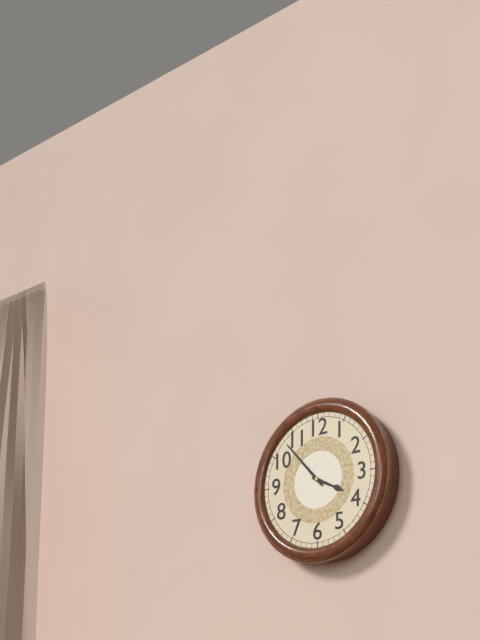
3:53
